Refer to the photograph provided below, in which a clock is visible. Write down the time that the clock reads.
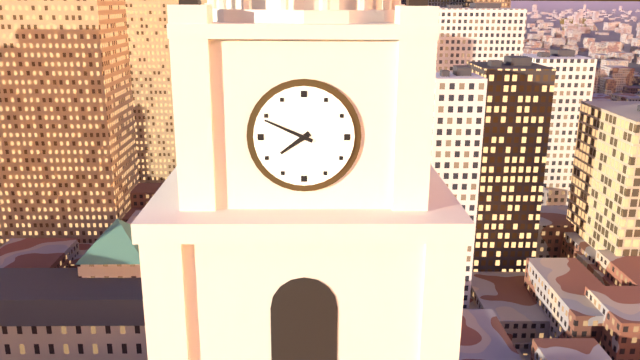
7:49
